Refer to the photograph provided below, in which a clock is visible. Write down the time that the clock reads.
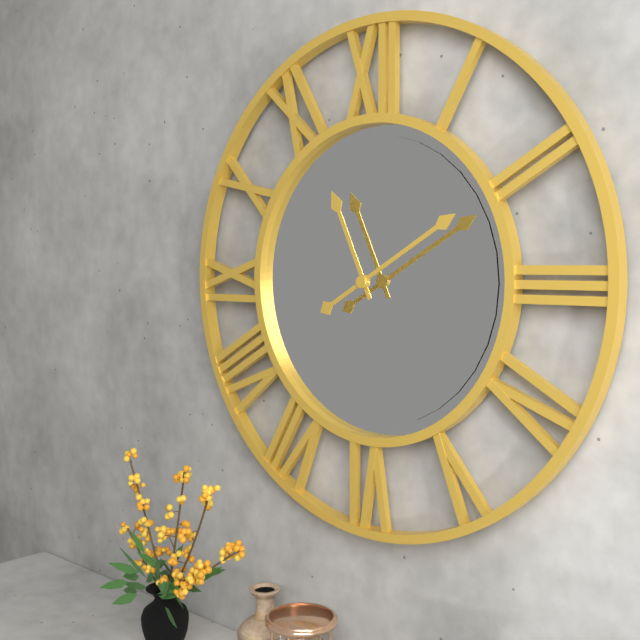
11:10
